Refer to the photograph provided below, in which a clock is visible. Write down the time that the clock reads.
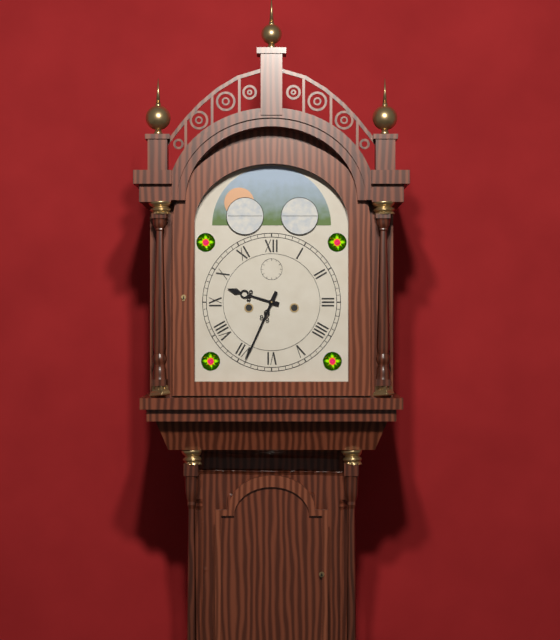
9:34
